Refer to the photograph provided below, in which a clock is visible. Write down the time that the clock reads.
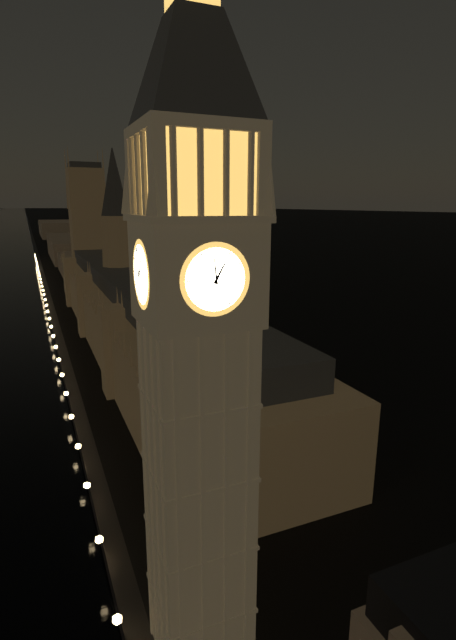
12:59
